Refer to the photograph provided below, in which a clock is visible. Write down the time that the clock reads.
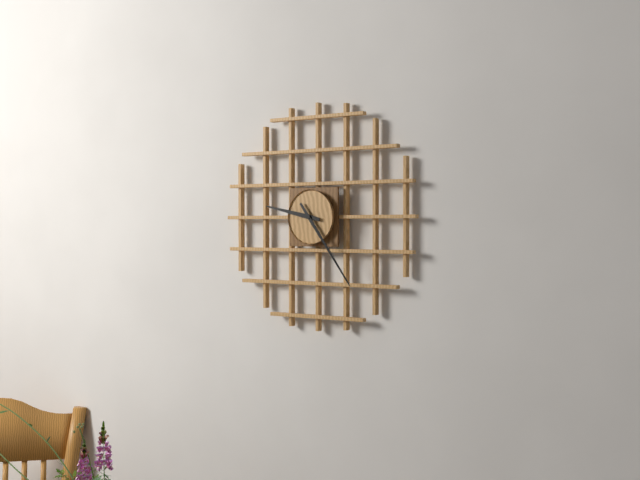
9:24
